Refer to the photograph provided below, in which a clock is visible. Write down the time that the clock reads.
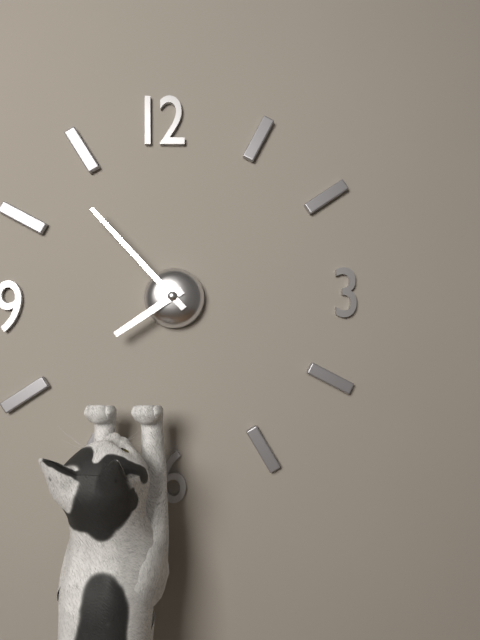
7:53
